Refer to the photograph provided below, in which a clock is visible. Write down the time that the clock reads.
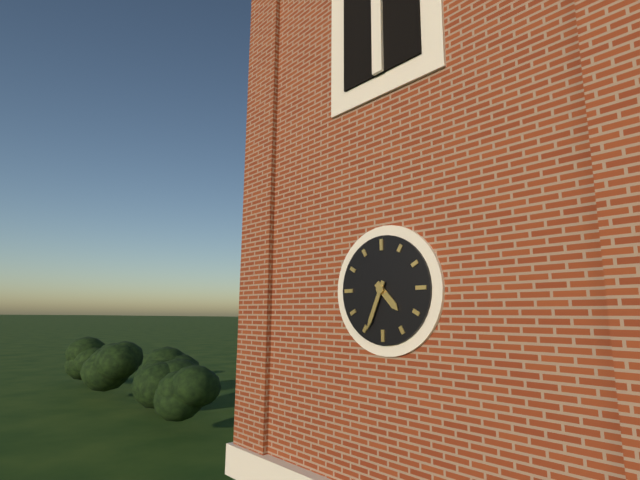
4:34
